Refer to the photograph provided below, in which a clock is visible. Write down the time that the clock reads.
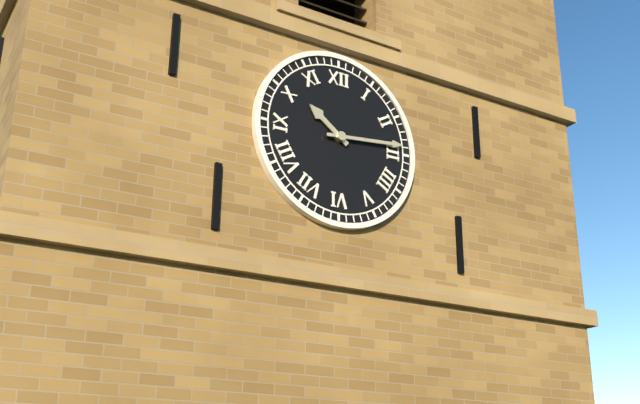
10:14
